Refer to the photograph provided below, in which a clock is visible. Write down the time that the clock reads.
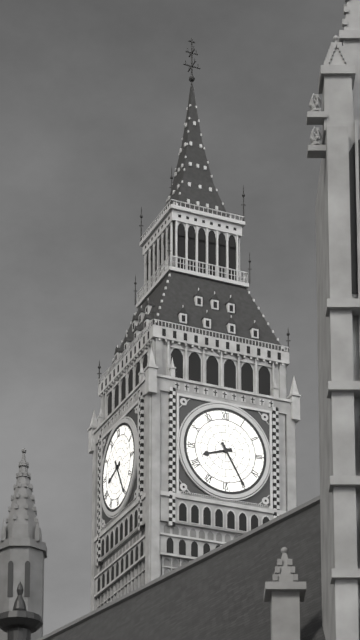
8:25
